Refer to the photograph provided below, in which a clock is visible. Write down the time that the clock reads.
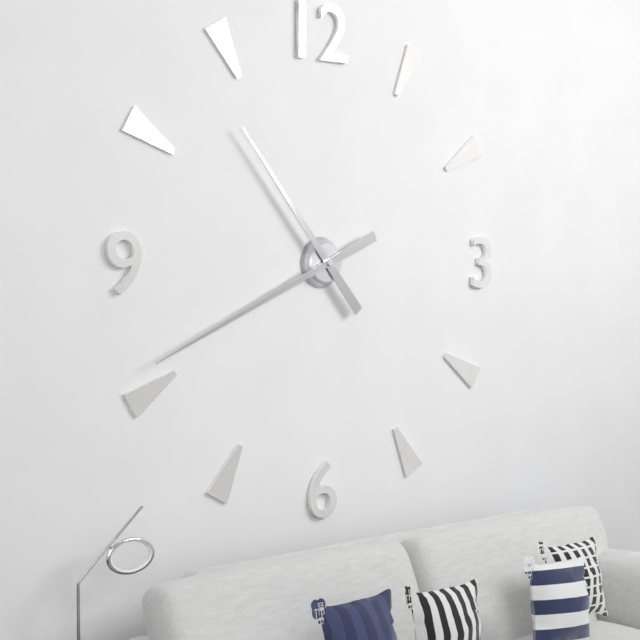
10:41
